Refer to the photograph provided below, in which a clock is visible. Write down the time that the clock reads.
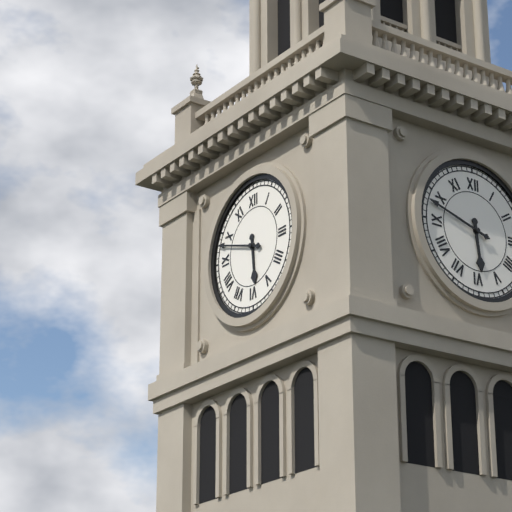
5:48
